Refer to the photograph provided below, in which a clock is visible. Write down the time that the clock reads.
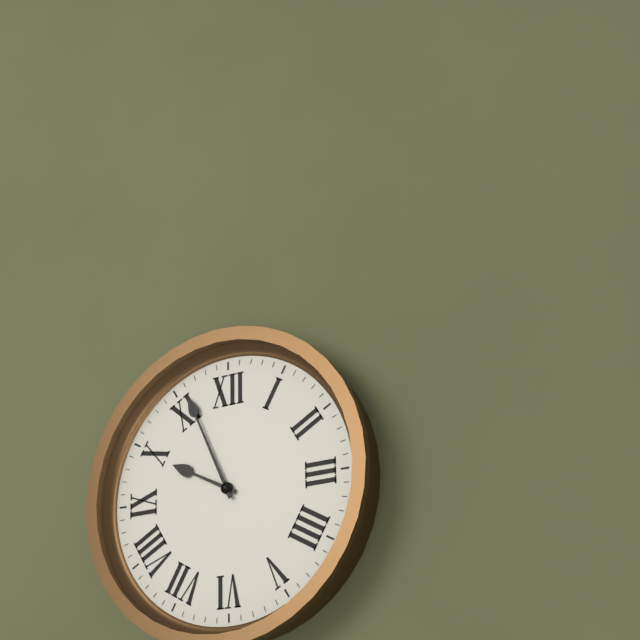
9:56
